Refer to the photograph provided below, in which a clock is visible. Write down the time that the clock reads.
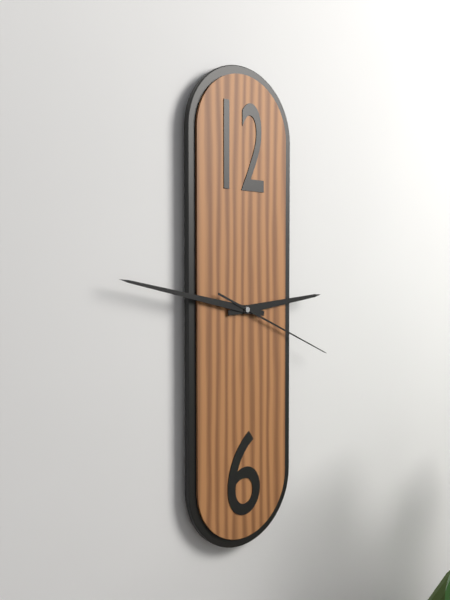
2:47:19
